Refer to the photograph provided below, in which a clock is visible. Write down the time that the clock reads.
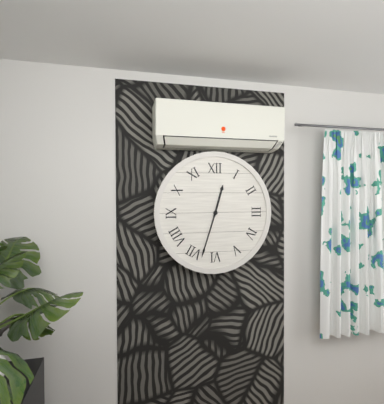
12:33
